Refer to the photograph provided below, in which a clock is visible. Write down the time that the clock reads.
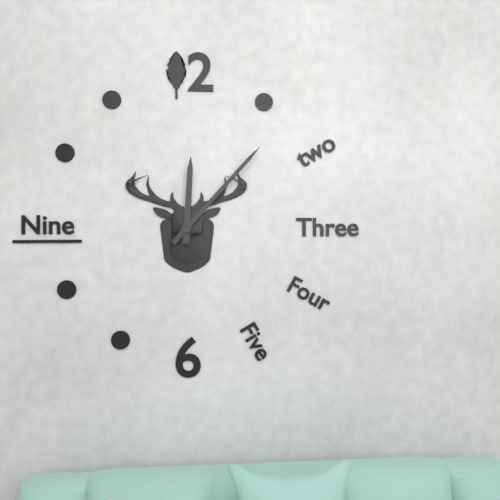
12:07
